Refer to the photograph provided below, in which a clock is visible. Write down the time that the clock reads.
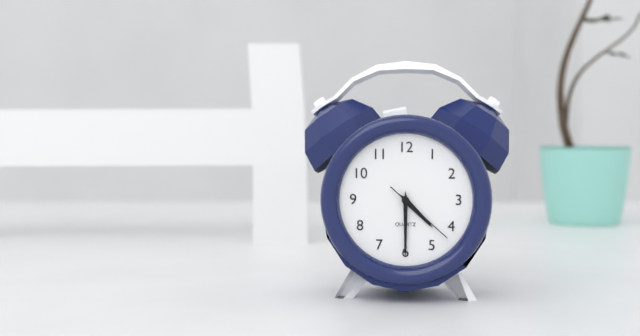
4:30:22
